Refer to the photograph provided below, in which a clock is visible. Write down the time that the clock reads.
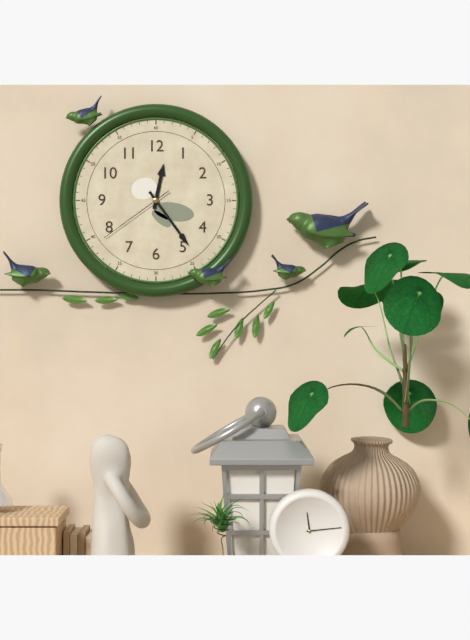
12:24:39
